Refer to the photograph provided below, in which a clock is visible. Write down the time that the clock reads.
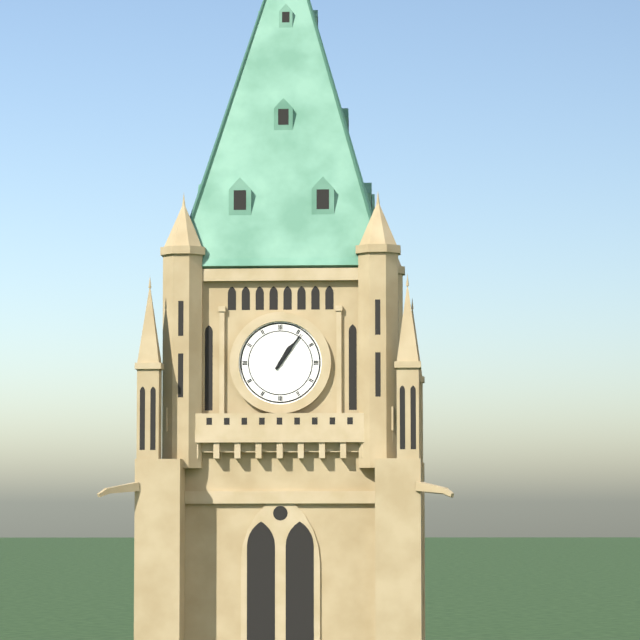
1:06
